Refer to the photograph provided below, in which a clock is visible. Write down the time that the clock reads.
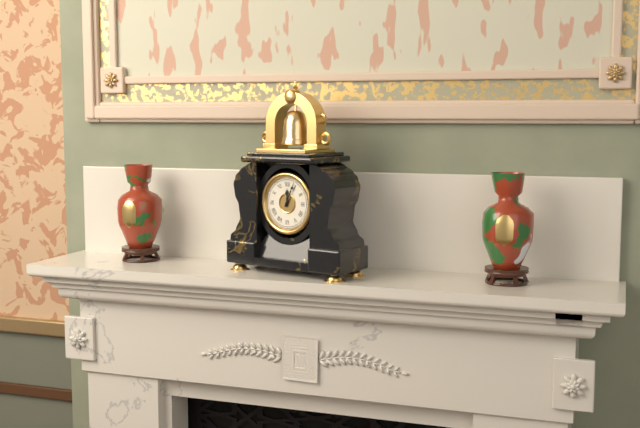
12:04
